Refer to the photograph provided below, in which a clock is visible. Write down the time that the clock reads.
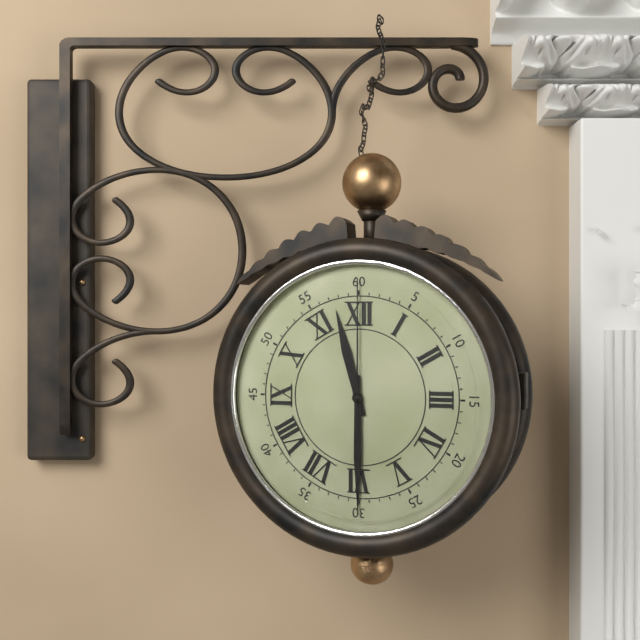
11:30:00
